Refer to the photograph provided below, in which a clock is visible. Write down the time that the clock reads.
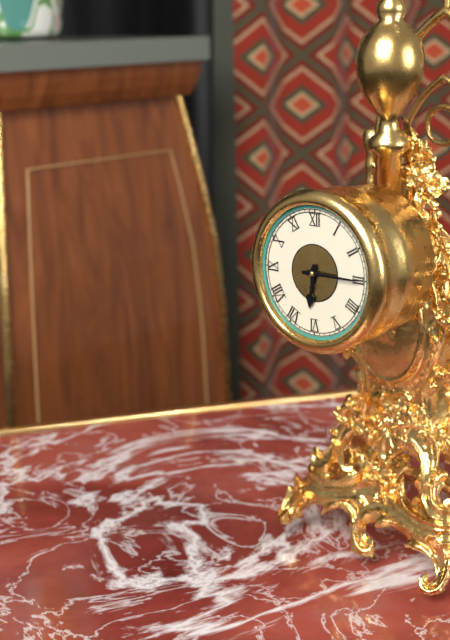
6:15
